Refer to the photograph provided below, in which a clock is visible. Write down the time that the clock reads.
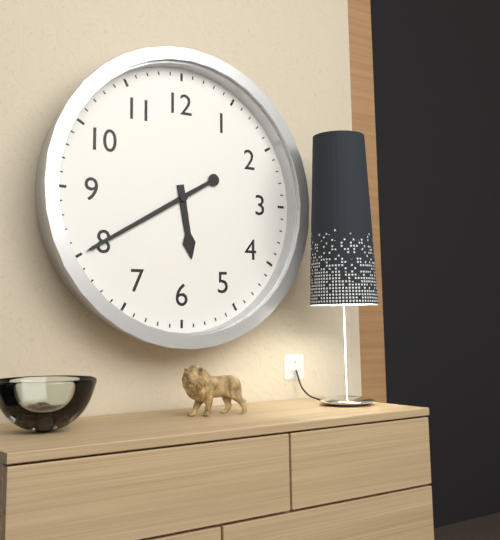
5:40
